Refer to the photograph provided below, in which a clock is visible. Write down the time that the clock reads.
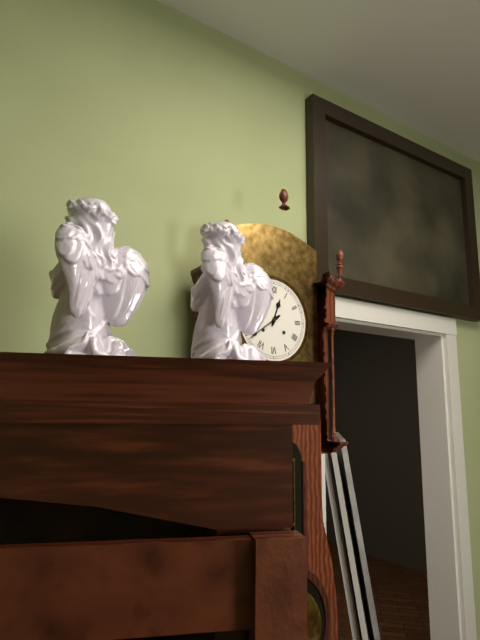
12:39
